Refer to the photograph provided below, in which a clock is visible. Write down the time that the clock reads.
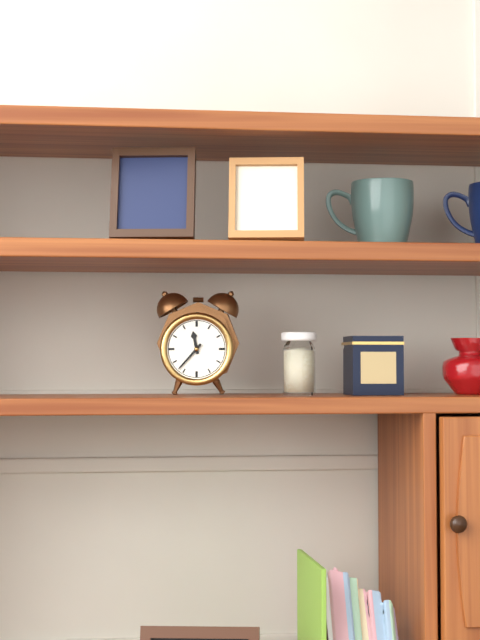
11:37
